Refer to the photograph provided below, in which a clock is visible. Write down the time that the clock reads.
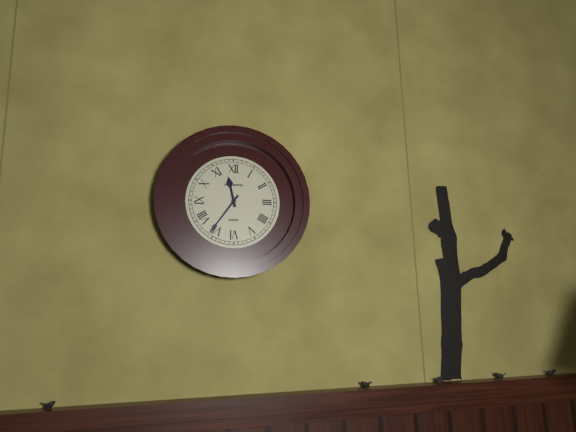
11:36
